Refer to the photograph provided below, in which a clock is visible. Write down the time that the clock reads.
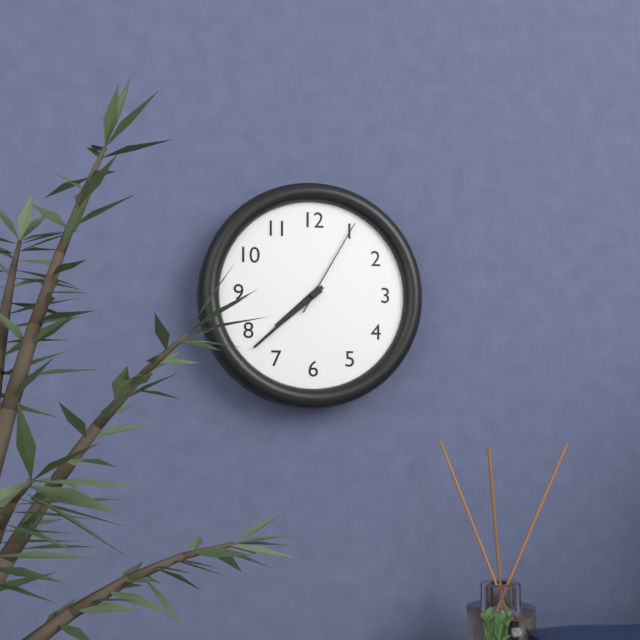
7:38:05
